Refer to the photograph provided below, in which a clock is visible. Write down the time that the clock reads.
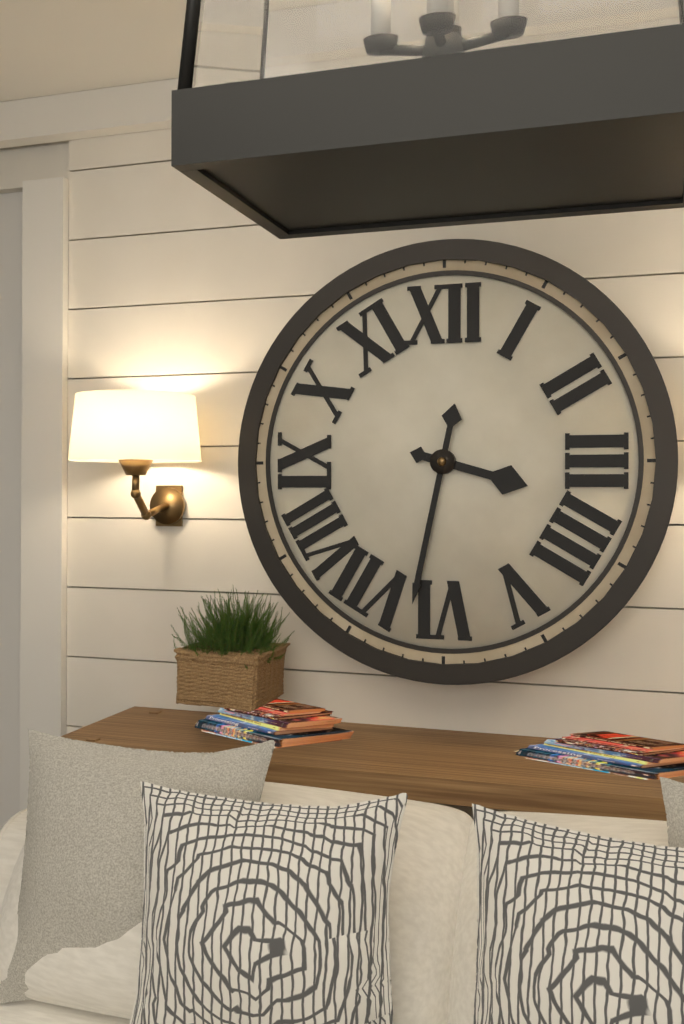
3:32
